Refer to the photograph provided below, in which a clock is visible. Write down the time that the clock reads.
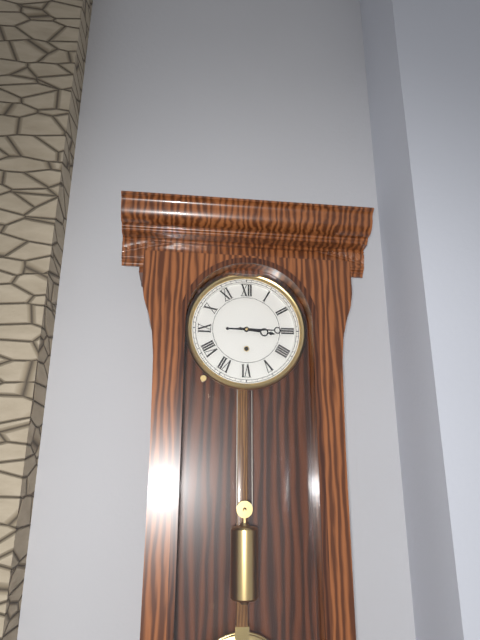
3:15
